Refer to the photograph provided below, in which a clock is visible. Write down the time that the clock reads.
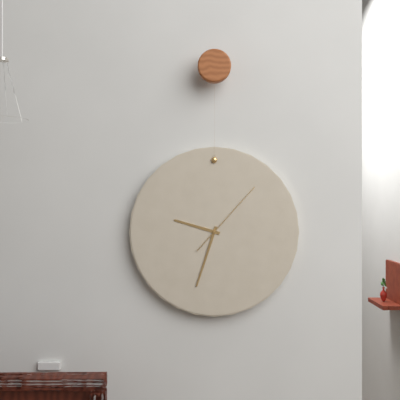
9:33:07
